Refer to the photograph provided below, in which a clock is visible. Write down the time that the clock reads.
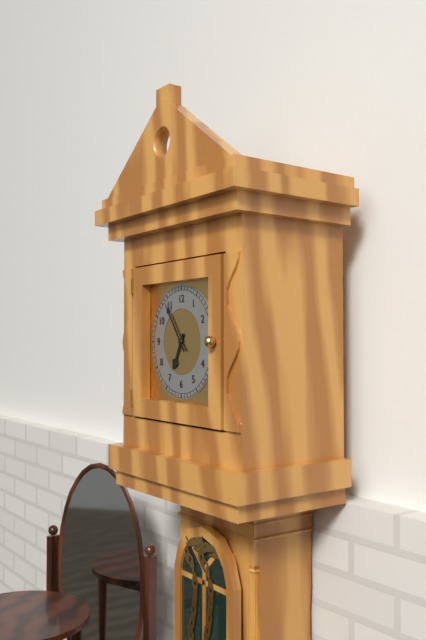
6:54
